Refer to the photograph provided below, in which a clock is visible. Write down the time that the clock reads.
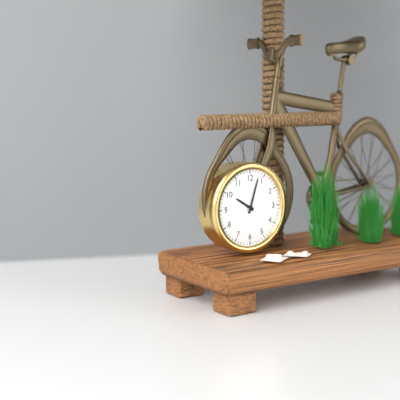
10:03
